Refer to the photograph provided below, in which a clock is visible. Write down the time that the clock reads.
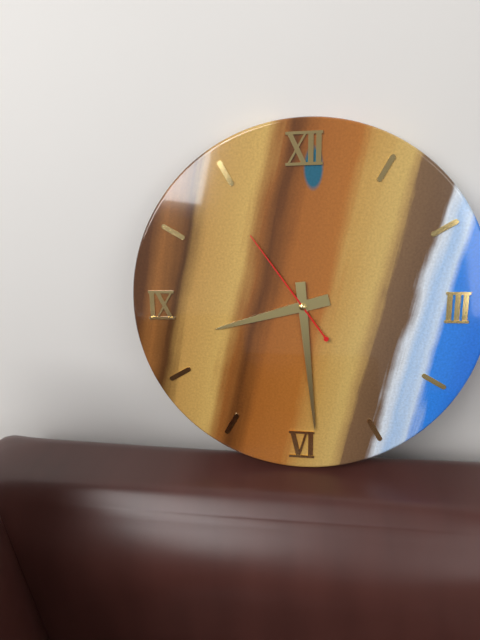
8:29:54
